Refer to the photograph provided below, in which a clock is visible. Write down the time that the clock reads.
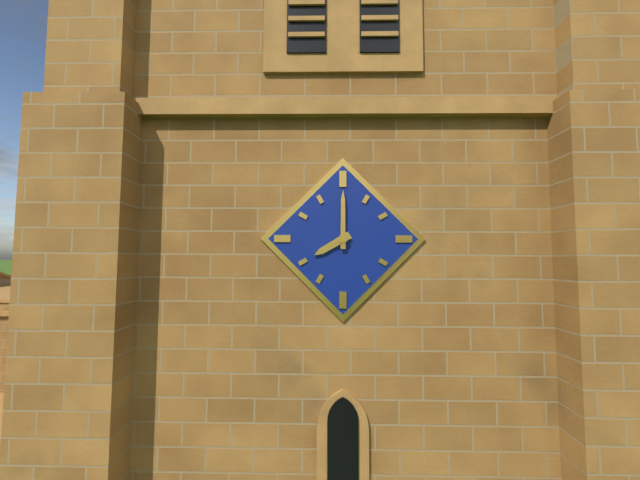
8:00
